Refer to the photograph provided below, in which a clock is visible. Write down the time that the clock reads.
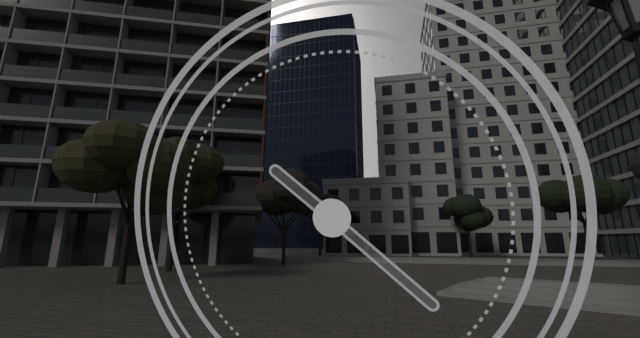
10:22
